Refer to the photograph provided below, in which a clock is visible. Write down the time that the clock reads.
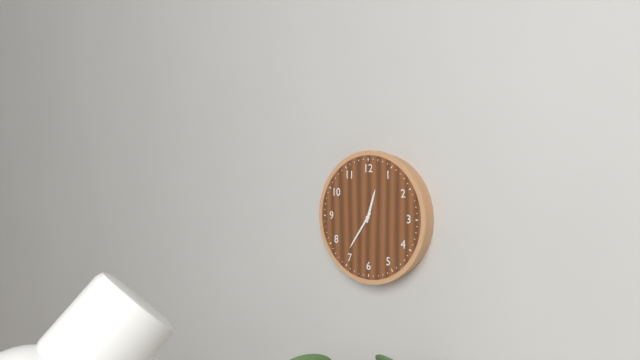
12:36
